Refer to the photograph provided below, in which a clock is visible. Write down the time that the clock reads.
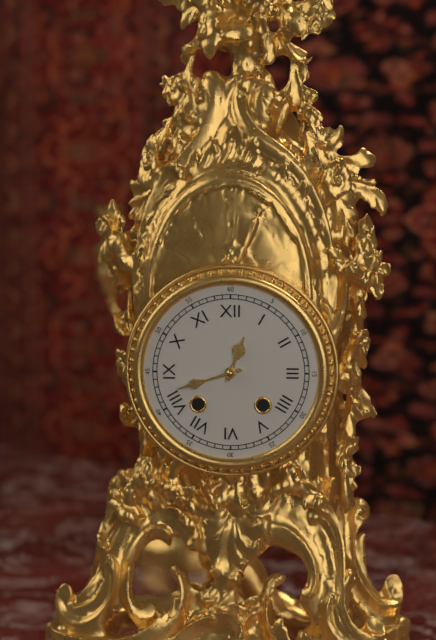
12:42
